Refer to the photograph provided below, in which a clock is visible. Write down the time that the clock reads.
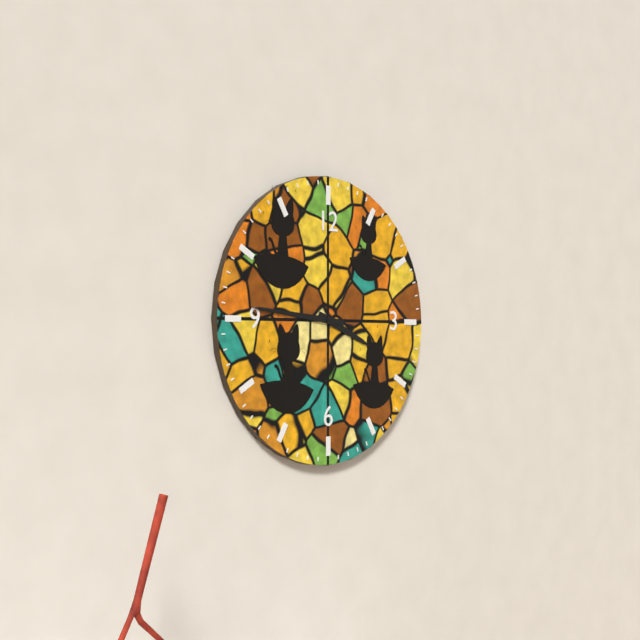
3:46
